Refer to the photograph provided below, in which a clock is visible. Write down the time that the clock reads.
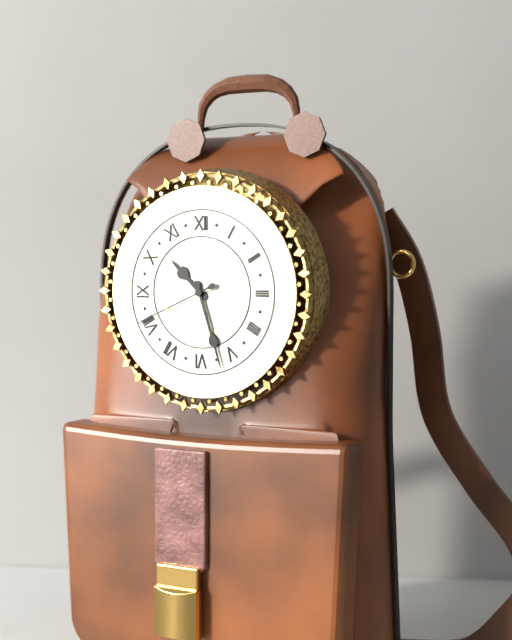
10:27:41
